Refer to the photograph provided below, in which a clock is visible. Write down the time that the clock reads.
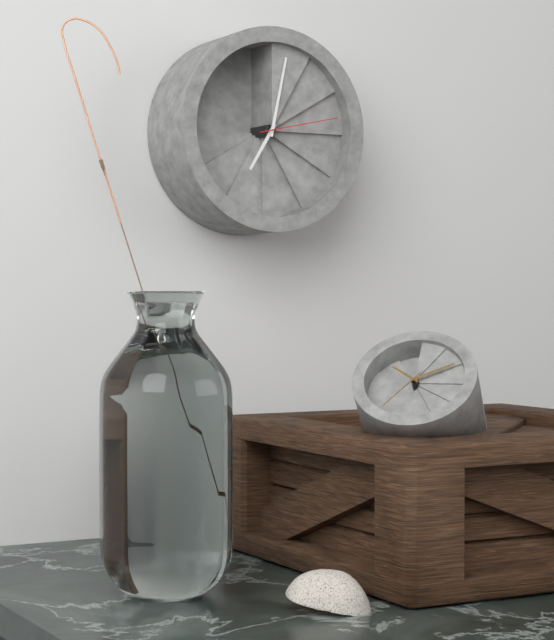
7:02:13
